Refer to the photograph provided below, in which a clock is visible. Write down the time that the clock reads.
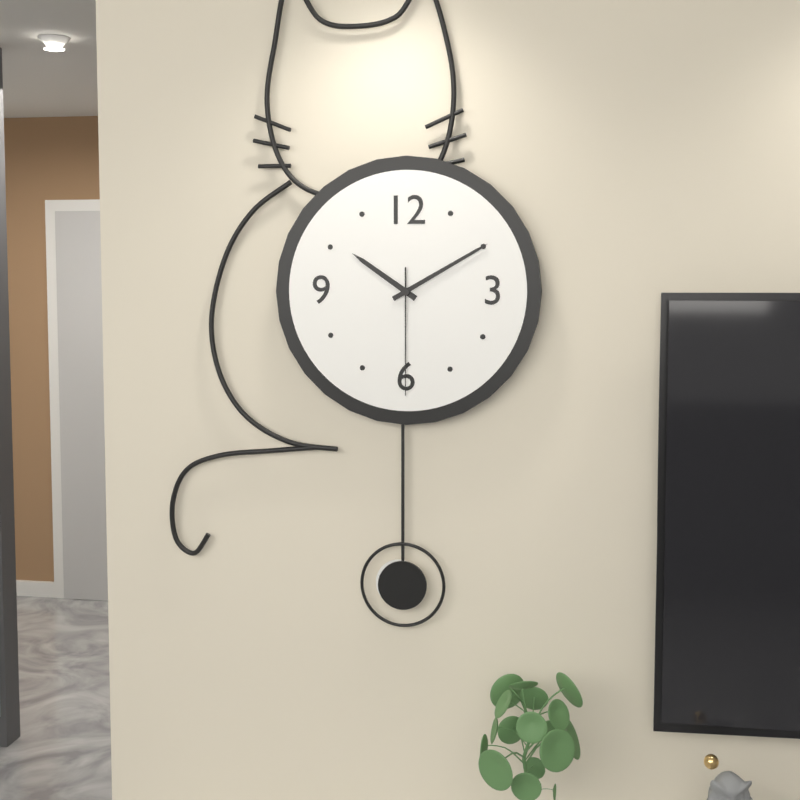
10:10:30
